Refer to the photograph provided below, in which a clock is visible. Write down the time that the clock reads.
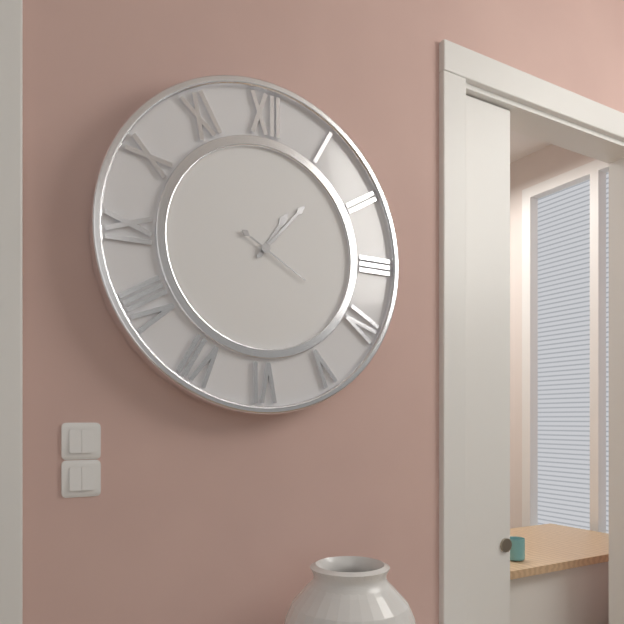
1:07:20
